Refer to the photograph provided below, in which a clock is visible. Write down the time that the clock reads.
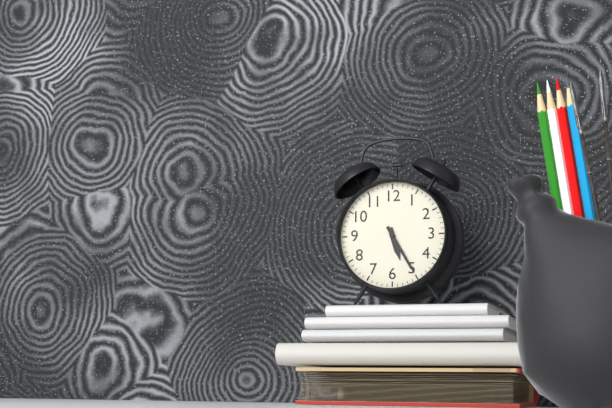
5:25
